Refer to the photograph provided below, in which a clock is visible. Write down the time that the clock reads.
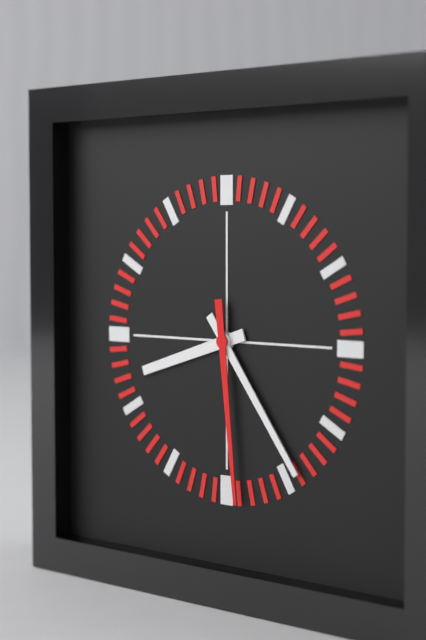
8:24:29
